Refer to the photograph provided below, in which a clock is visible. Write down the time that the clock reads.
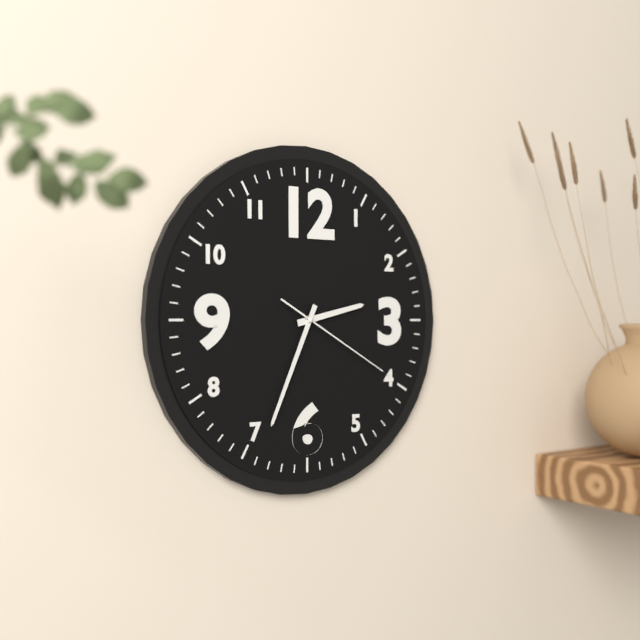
2:34:20
